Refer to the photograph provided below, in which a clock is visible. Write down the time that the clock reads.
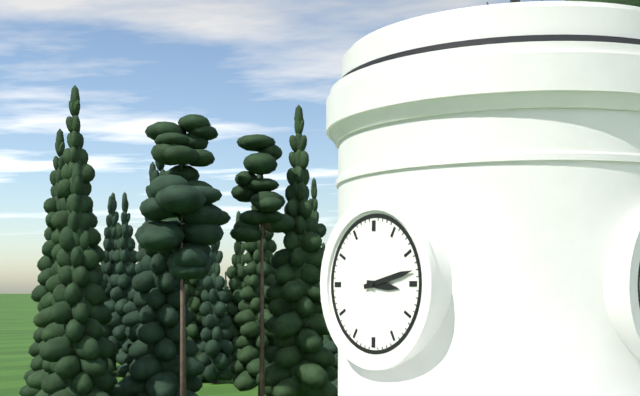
3:13
